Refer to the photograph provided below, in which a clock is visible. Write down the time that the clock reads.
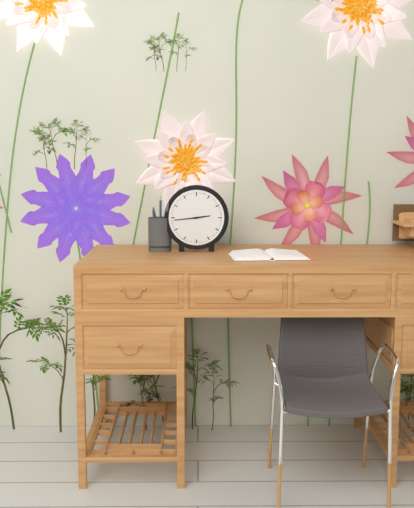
2:44
